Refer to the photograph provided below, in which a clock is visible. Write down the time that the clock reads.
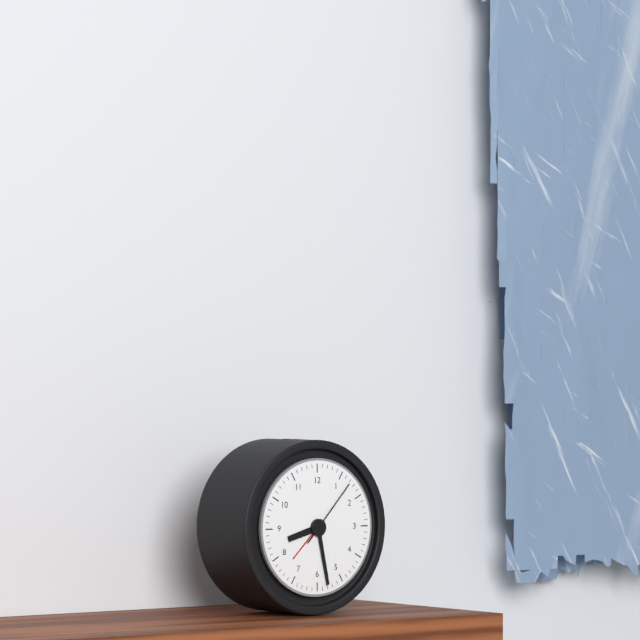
8:28:07
